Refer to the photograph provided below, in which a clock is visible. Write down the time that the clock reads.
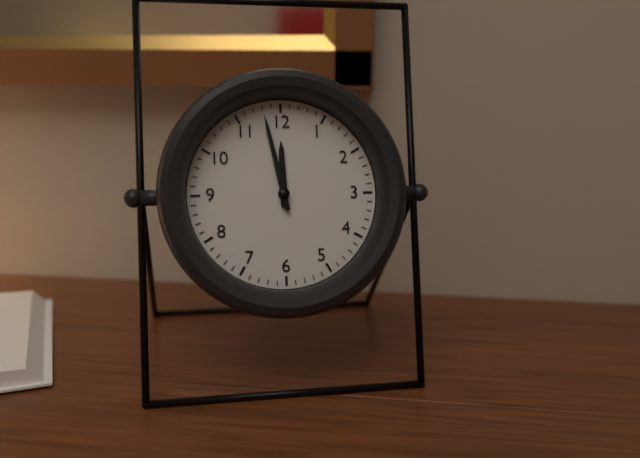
11:58
